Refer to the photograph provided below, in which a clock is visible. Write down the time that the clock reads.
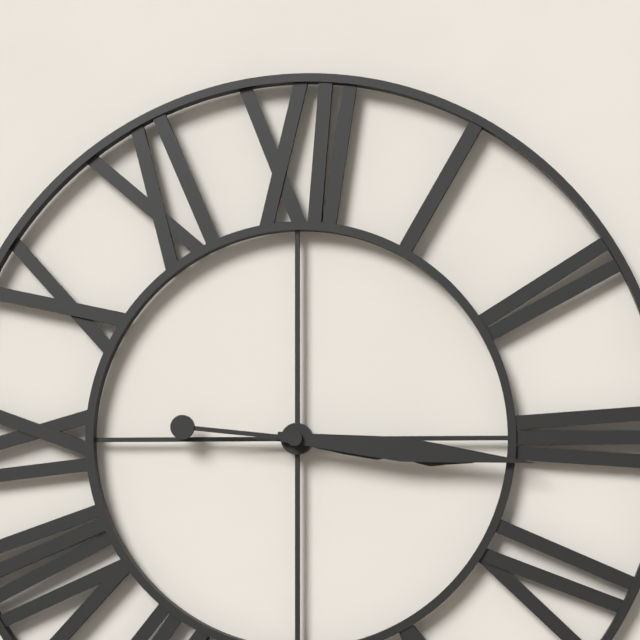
3:16
